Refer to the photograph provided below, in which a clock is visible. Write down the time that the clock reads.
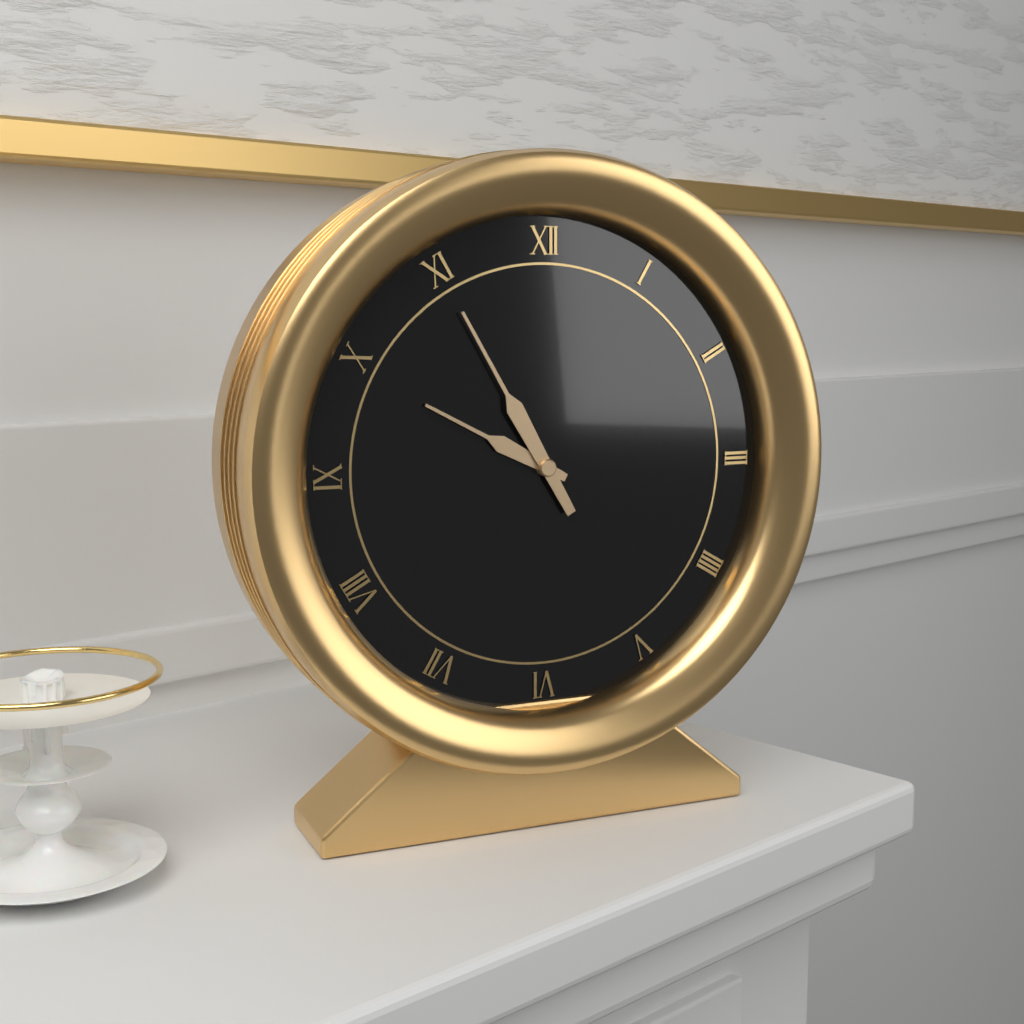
9:55
